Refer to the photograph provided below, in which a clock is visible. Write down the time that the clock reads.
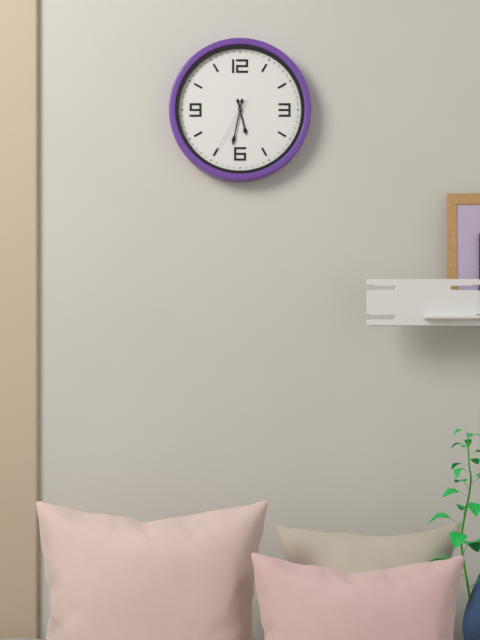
5:32:35
